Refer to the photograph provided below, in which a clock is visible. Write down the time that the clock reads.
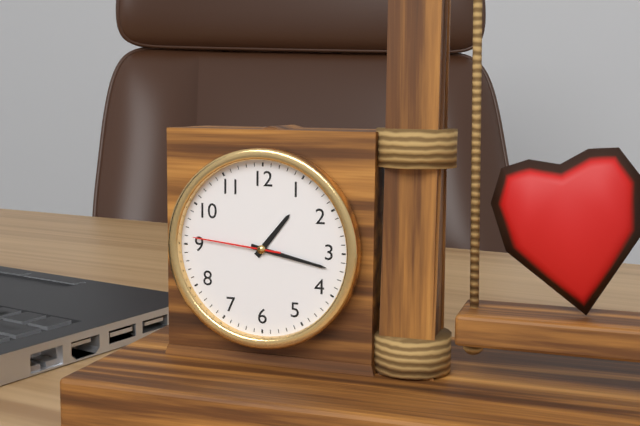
1:17:46
